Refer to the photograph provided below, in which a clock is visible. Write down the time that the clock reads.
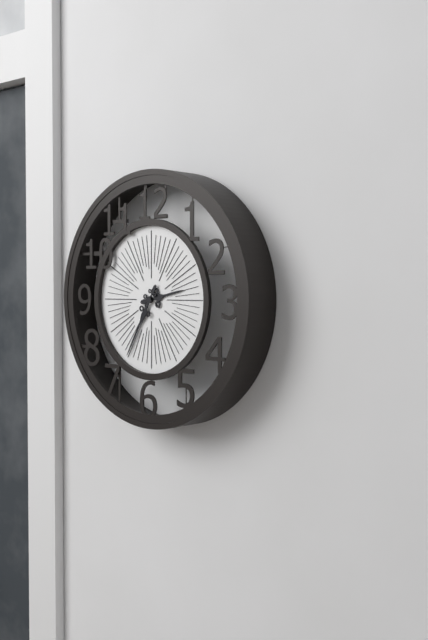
2:35
